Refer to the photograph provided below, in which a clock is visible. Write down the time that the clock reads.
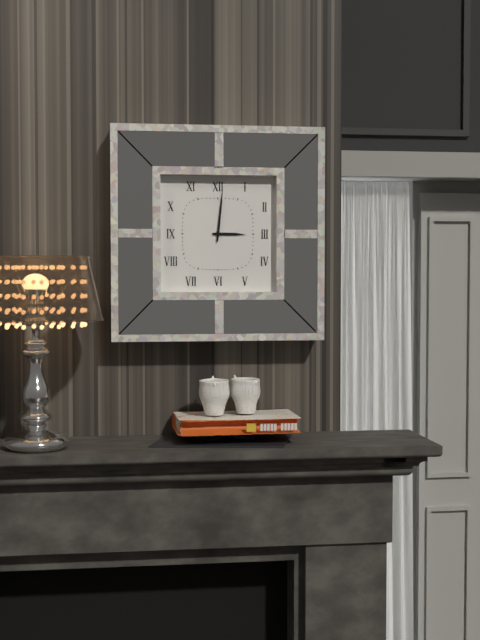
3:01
